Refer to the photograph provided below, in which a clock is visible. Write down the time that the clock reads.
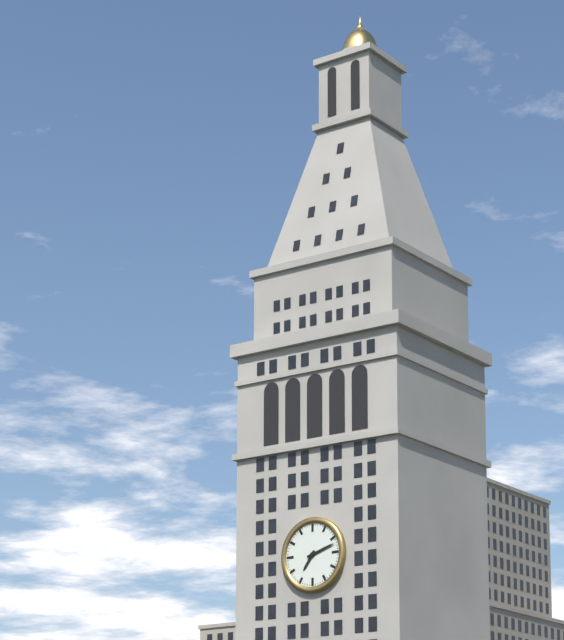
7:12
